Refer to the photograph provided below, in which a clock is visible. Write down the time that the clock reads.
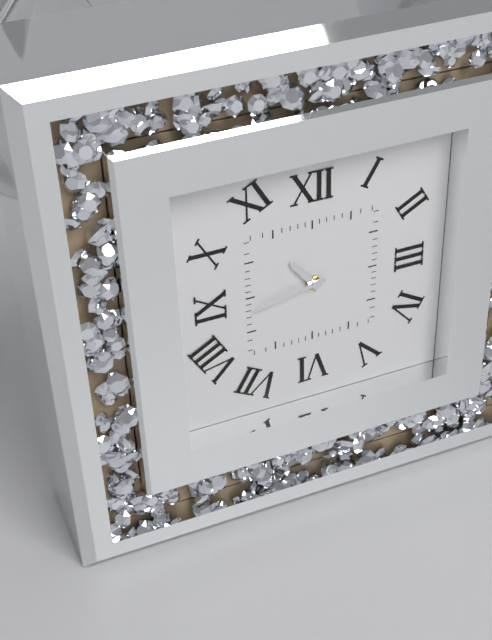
10:43
